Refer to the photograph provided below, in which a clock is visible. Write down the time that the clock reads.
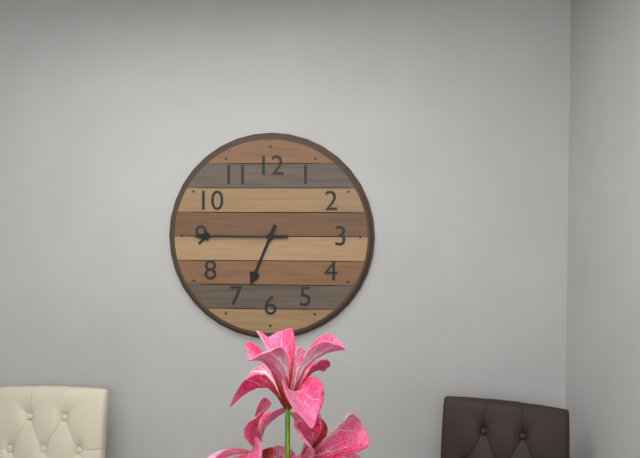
6:45
